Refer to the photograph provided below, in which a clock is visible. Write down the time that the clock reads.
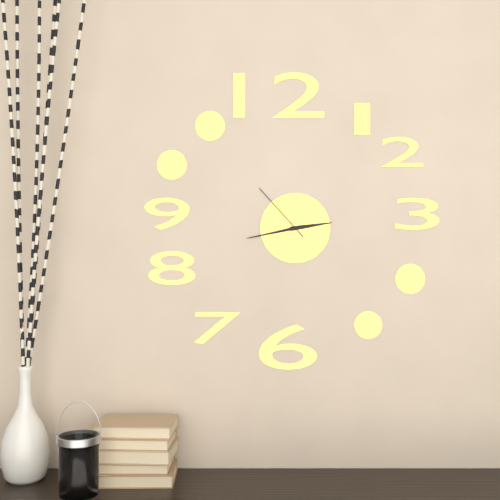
2:43:53
